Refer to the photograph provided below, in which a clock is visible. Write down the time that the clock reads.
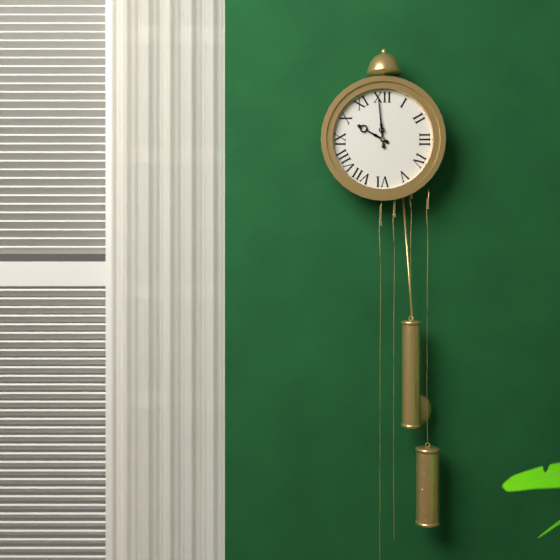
9:59
